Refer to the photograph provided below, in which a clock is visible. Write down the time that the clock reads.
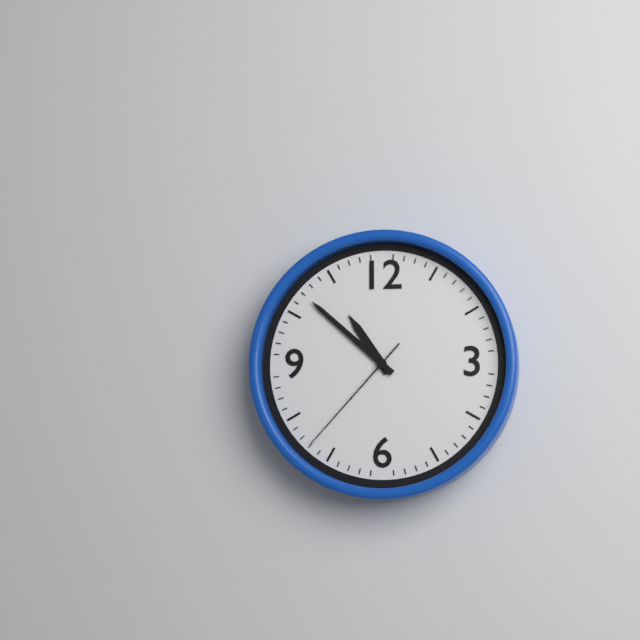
10:52:37
